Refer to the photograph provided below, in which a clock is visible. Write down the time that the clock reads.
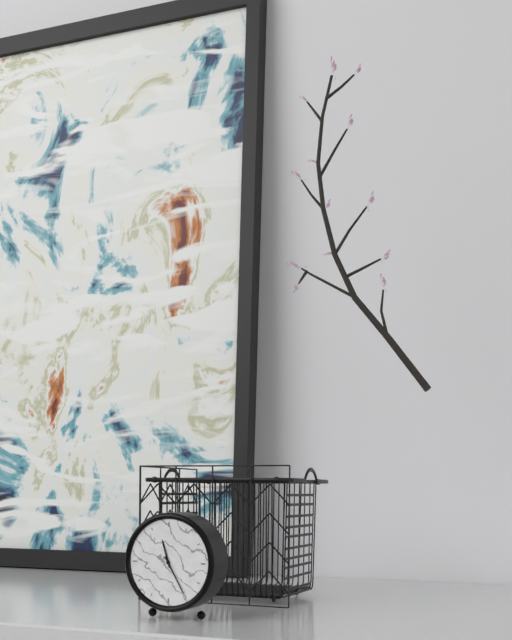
11:25
